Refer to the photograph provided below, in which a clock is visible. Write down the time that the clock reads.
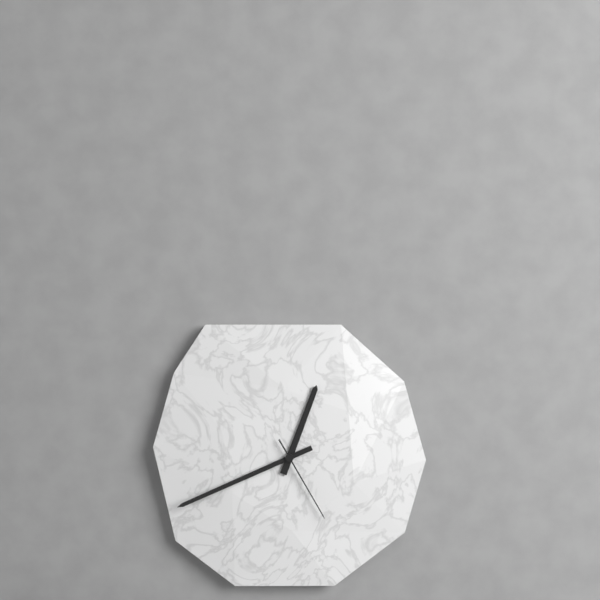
12:41:25
